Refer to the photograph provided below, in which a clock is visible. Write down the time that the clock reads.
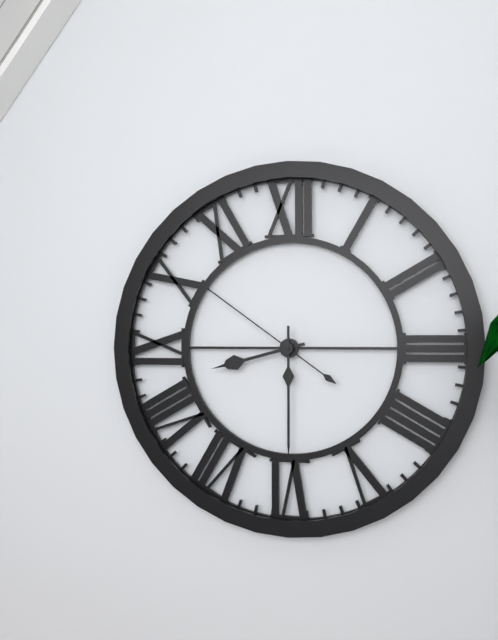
8:30:51
